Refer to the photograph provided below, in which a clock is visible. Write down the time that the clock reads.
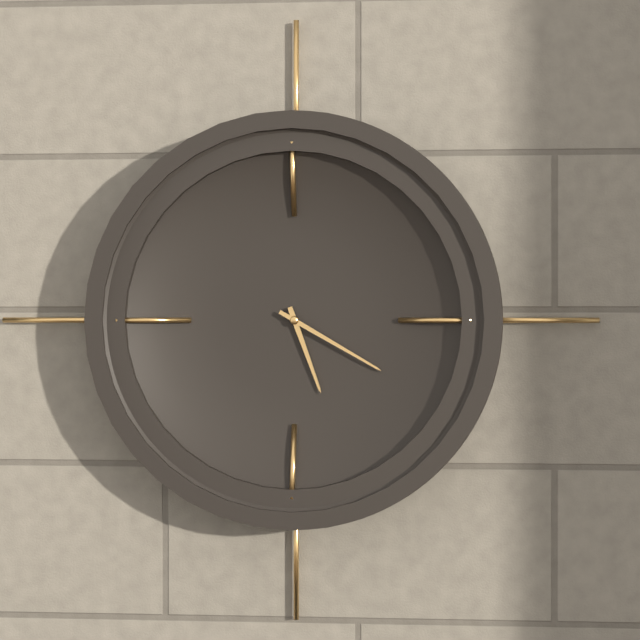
5:20
